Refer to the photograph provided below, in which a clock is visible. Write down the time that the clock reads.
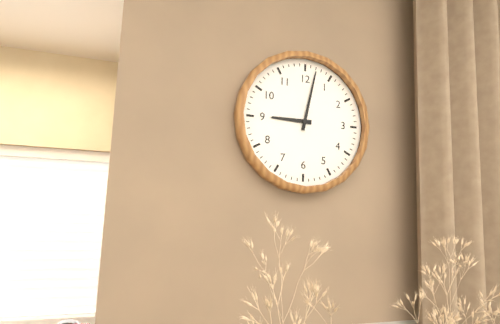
9:02
